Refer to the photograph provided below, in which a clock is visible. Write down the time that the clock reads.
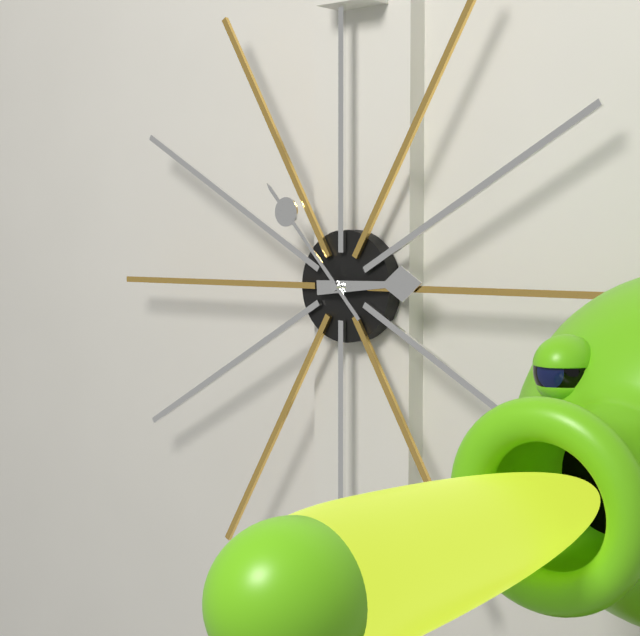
2:53
